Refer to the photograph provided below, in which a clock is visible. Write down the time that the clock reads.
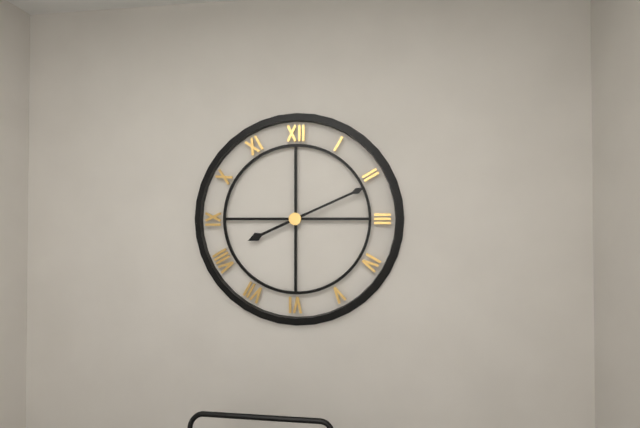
8:11
